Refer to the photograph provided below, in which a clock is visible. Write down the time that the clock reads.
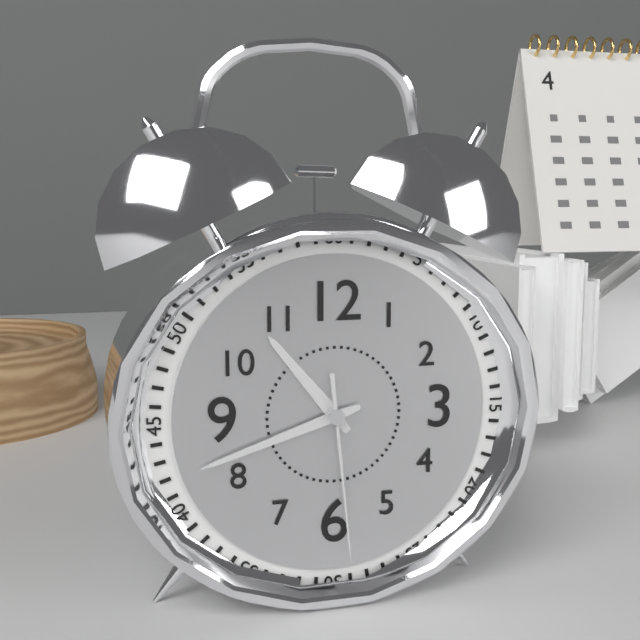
10:42:29
